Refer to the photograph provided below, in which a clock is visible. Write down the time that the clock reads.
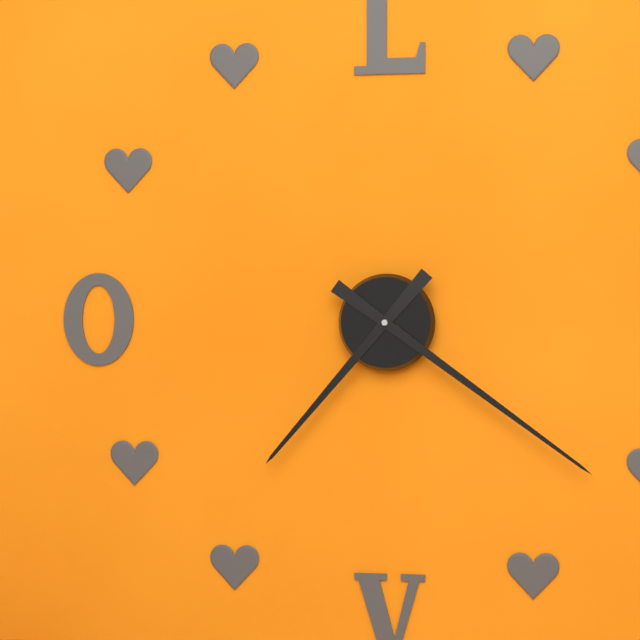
7:21
